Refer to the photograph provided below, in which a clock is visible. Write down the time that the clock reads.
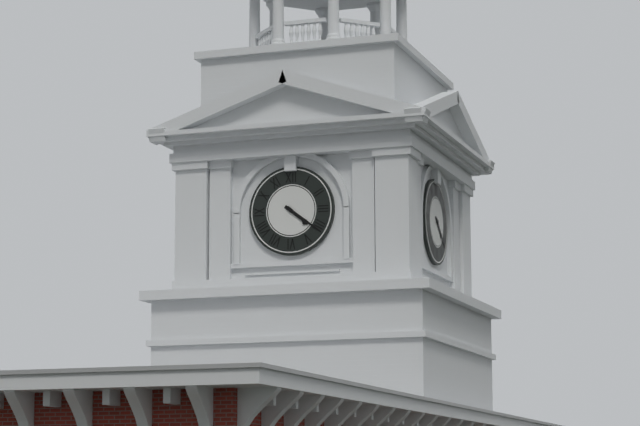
4:21
